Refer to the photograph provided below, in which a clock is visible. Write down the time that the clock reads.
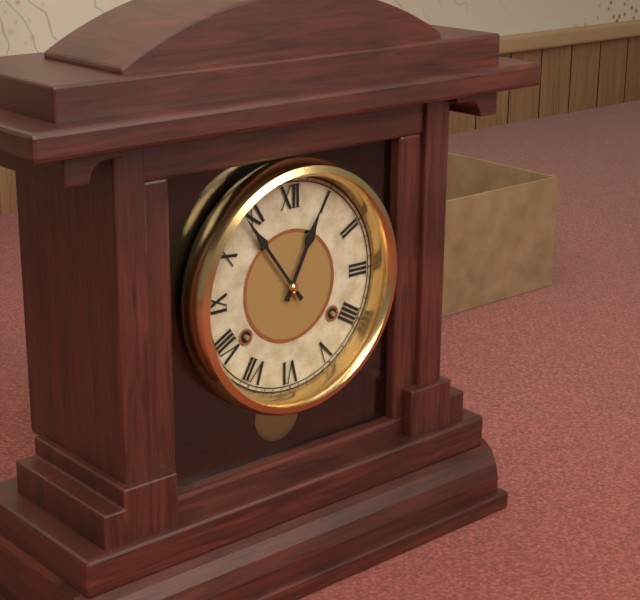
12:54
